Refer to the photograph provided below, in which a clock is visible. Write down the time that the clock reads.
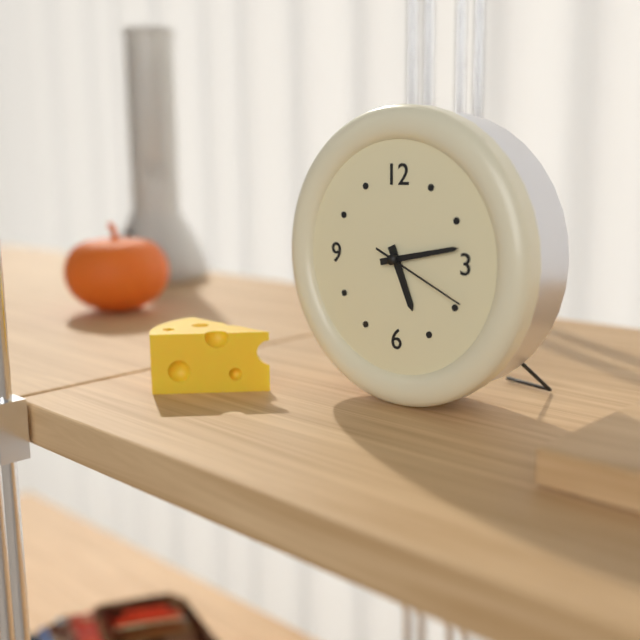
5:13:19
